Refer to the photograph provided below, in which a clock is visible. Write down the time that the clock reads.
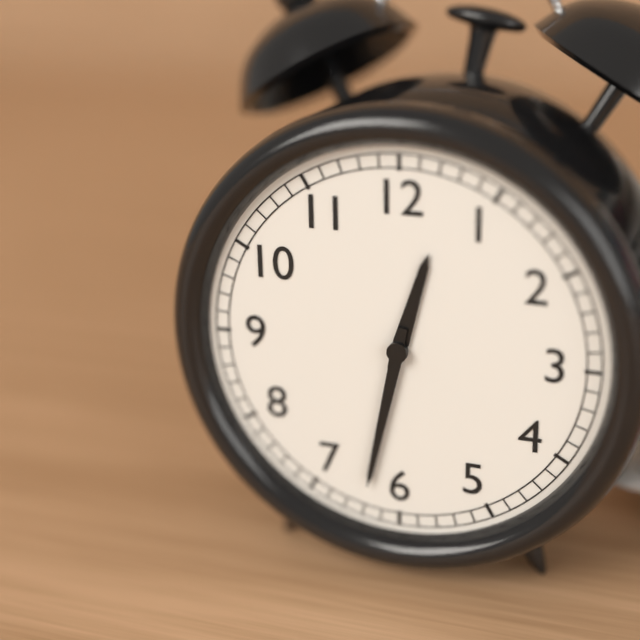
12:32
